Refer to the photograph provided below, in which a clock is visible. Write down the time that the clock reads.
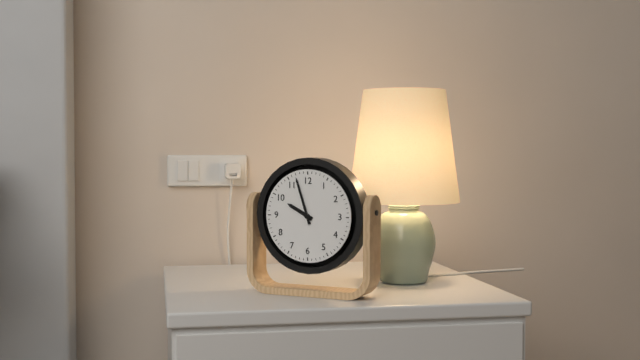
9:57
